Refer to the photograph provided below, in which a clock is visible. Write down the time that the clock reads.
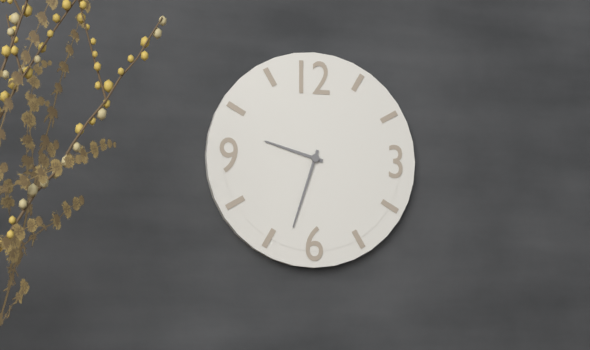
9:33
